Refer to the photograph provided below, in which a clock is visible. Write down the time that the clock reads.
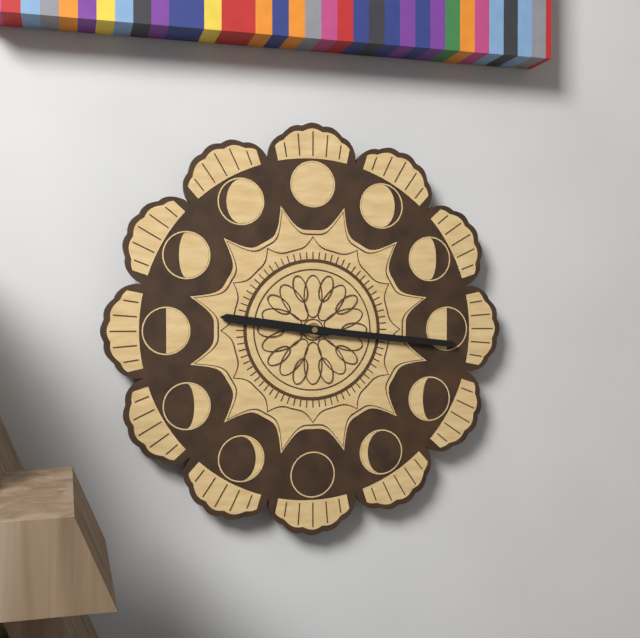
9:16
